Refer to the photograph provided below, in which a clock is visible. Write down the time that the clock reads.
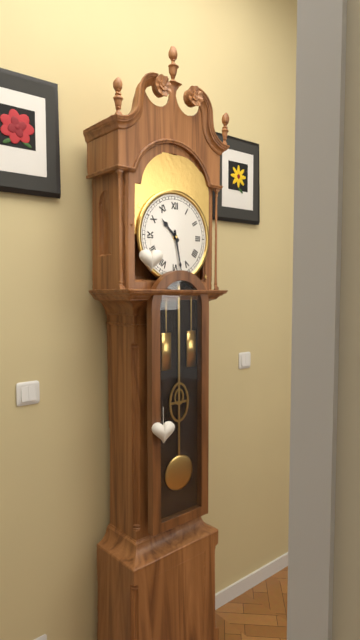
10:28
